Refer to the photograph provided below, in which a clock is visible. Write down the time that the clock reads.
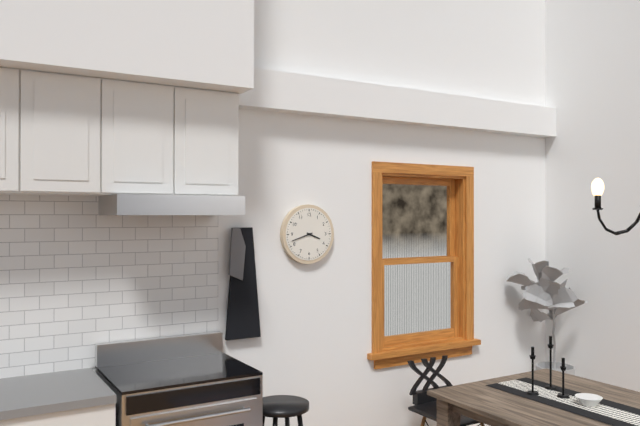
3:42
